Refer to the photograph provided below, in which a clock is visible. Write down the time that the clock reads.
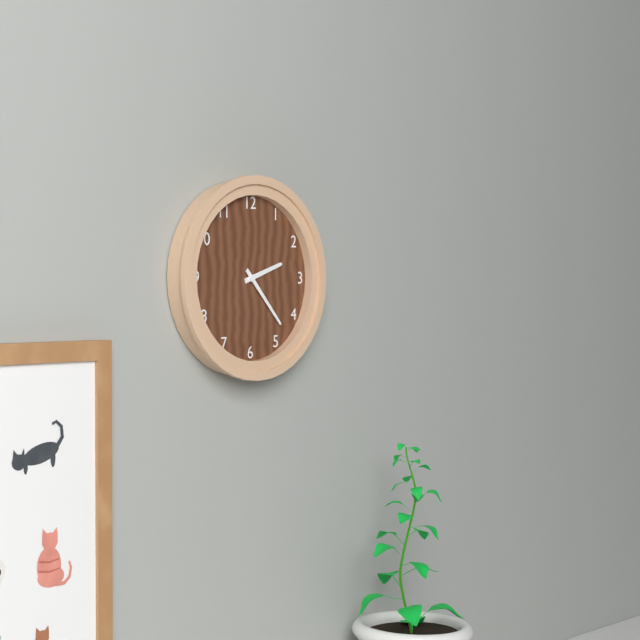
2:23
